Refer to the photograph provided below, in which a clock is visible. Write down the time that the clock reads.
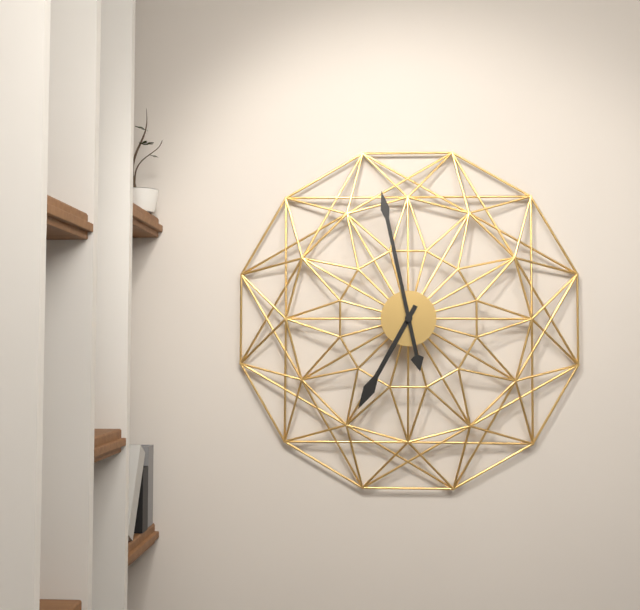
6:58
